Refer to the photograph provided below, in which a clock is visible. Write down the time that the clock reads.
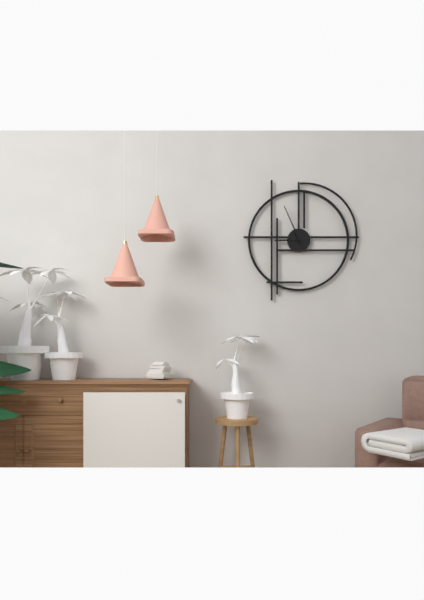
8:56
